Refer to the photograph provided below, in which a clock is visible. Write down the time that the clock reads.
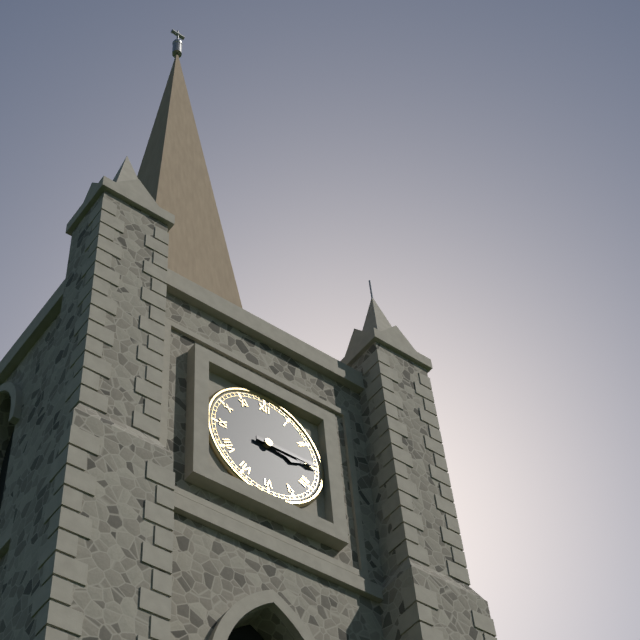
3:15
